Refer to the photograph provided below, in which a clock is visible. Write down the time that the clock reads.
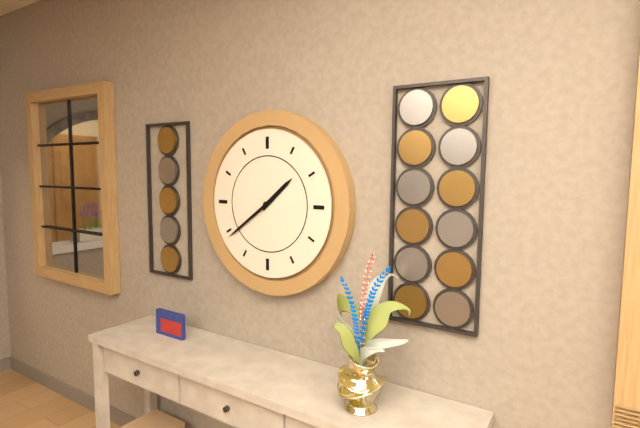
1:39
